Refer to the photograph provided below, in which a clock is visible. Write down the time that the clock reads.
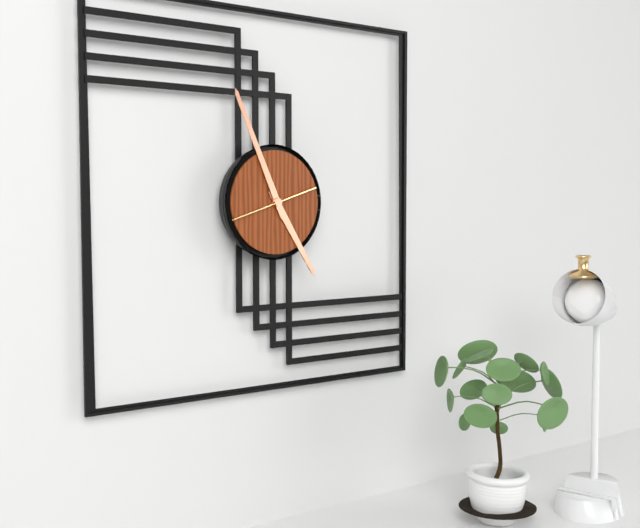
4:56:42
